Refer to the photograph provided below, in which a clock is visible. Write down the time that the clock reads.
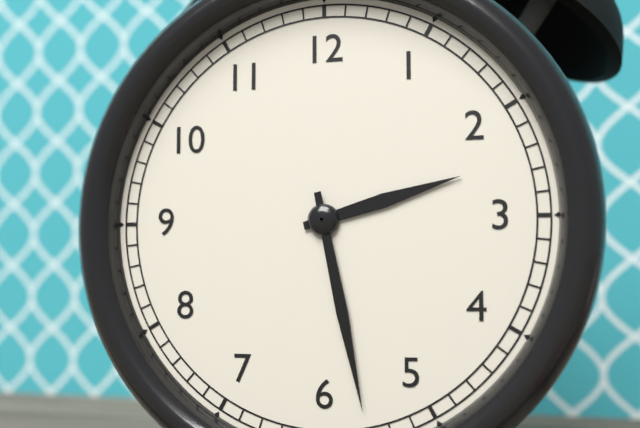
2:28
